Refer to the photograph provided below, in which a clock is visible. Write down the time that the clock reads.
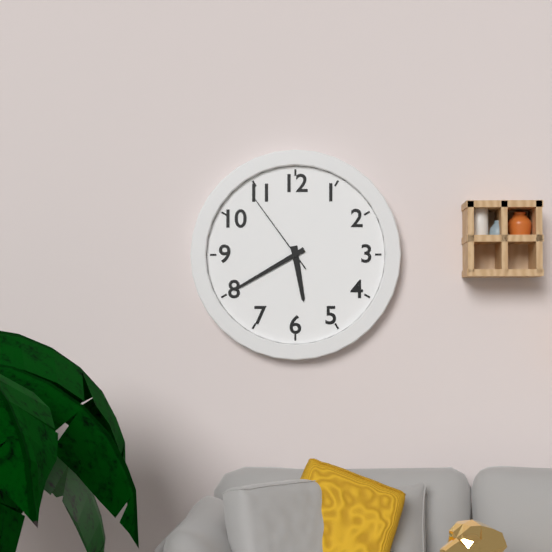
5:40:54
